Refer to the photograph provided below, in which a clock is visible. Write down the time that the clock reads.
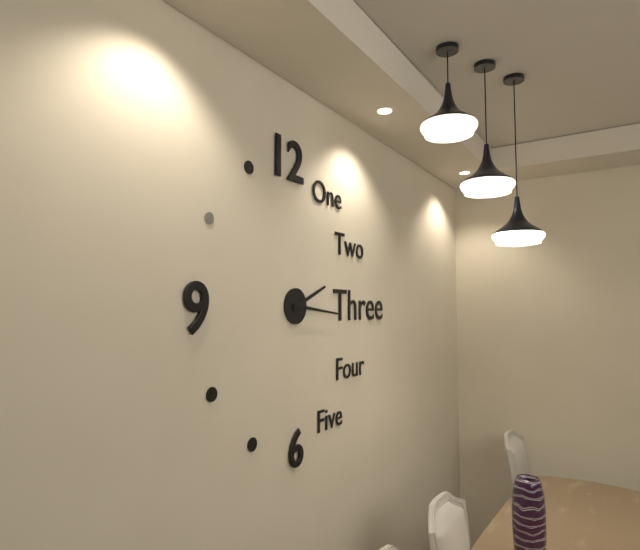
2:16
